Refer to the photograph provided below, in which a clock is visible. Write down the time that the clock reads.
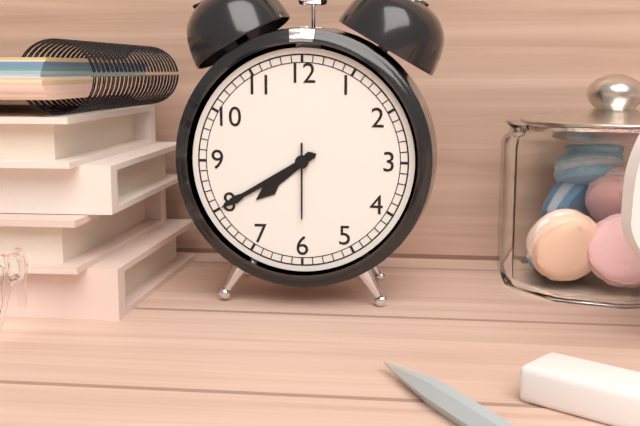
7:40:30
